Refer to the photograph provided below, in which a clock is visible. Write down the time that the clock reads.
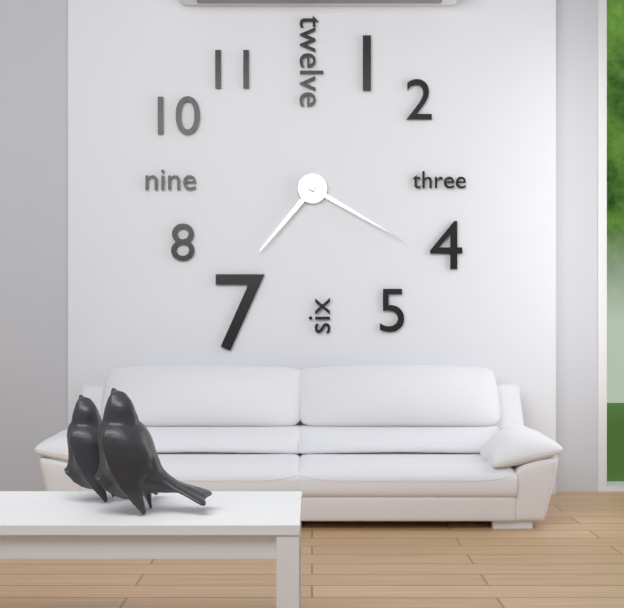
7:20
